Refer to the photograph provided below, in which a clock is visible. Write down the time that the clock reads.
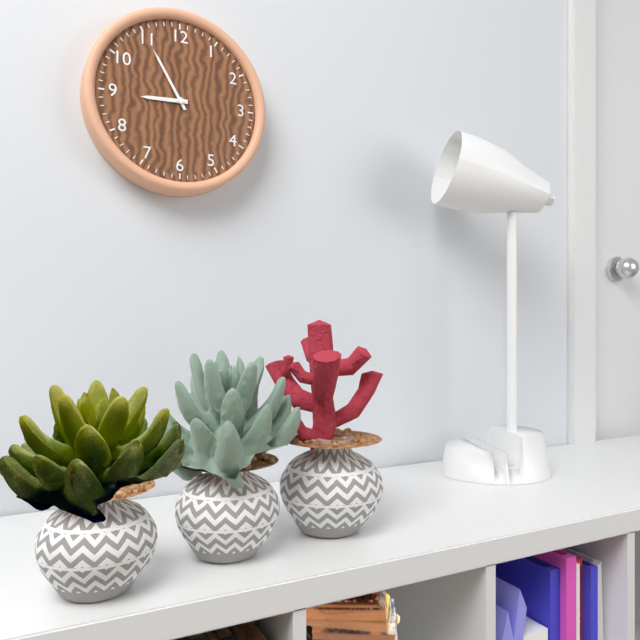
8:55
